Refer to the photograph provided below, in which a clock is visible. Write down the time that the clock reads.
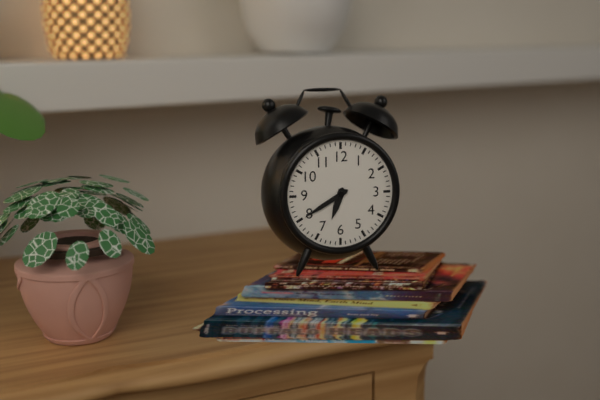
6:40
